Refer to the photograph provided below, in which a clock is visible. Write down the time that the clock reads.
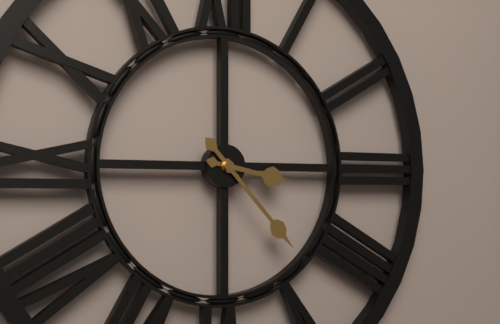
3:23
